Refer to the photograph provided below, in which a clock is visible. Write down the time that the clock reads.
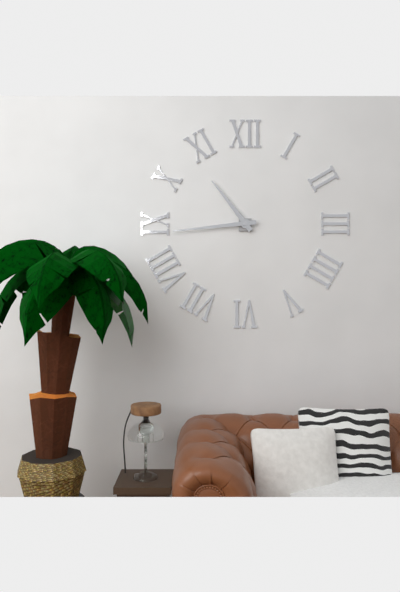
10:44
